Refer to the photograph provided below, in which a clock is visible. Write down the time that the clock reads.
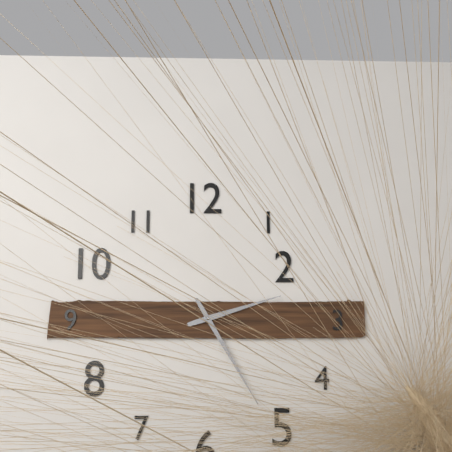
2:25
